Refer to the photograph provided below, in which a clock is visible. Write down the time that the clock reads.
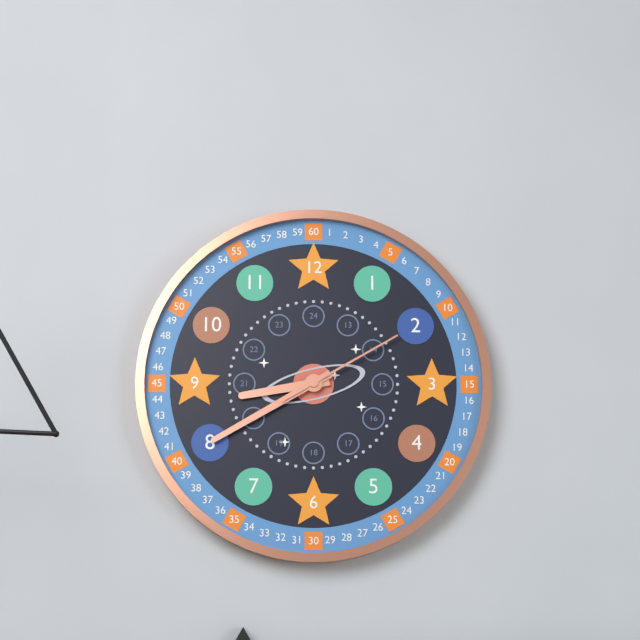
8:40:10
